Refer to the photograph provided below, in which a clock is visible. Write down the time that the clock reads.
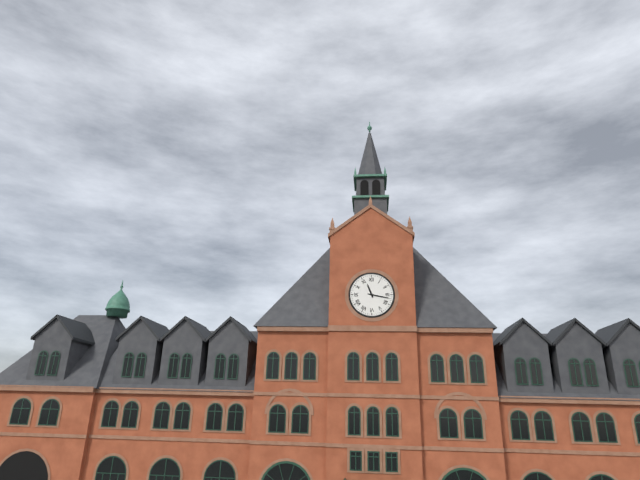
11:17
